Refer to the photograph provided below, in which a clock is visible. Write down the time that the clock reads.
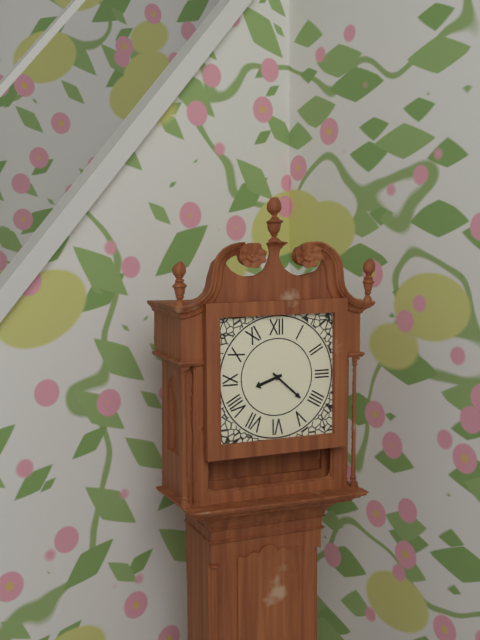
8:22
